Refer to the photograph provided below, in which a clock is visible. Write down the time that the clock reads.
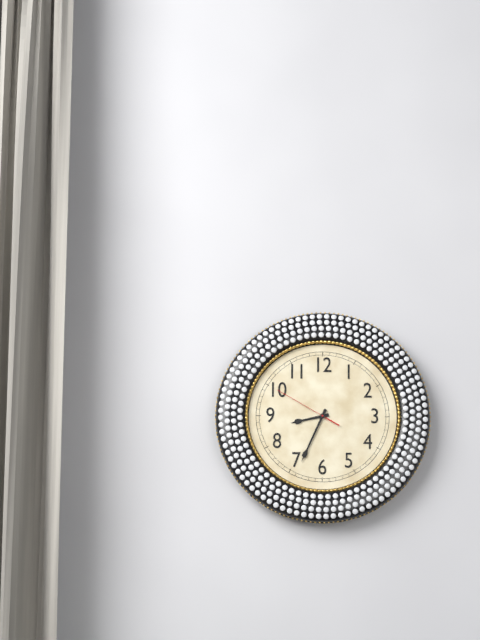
8:34:50
